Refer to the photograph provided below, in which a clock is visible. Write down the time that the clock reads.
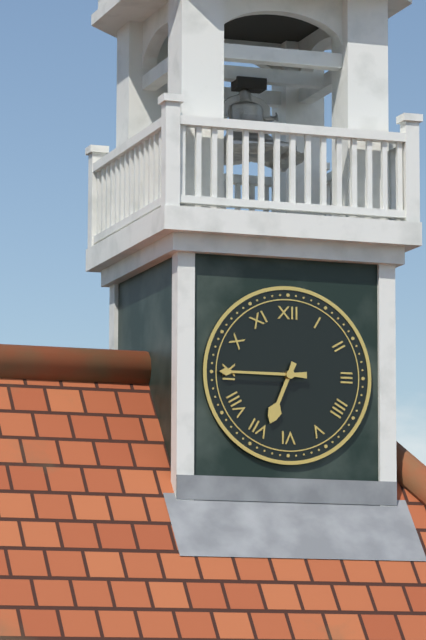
6:45
